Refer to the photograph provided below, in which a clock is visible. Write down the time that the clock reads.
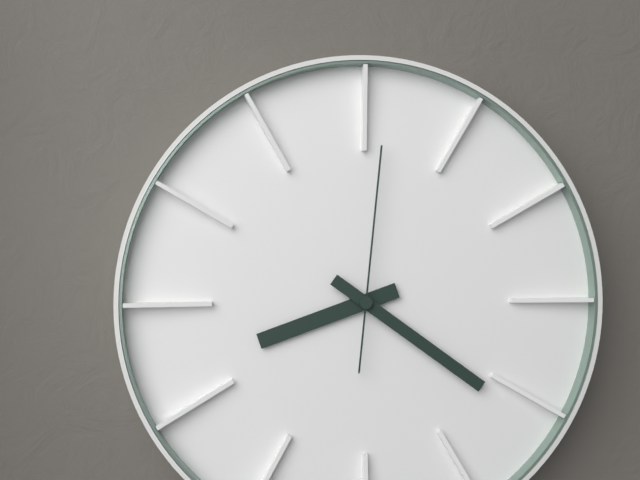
8:21:01
